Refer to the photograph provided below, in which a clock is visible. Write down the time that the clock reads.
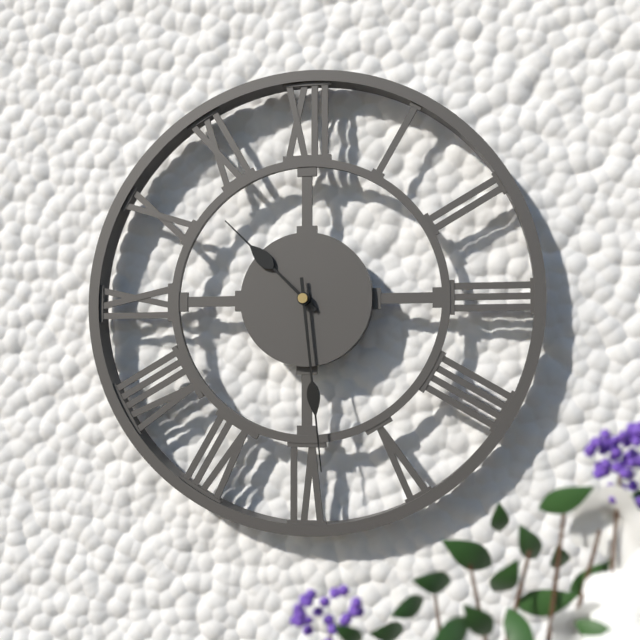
10:29
